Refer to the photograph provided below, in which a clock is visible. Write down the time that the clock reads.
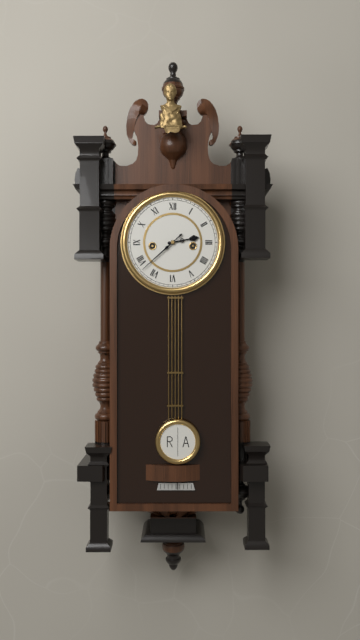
2:38
